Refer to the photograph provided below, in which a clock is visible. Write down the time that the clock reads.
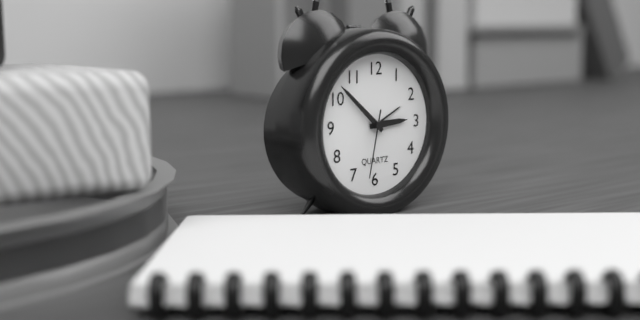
2:52:32
